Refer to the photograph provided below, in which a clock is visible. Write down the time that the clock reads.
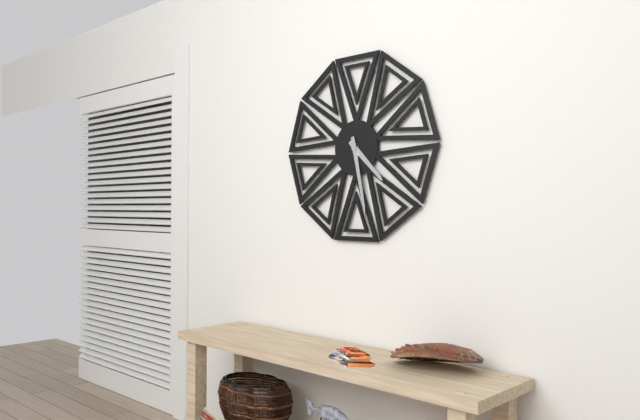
4:28
